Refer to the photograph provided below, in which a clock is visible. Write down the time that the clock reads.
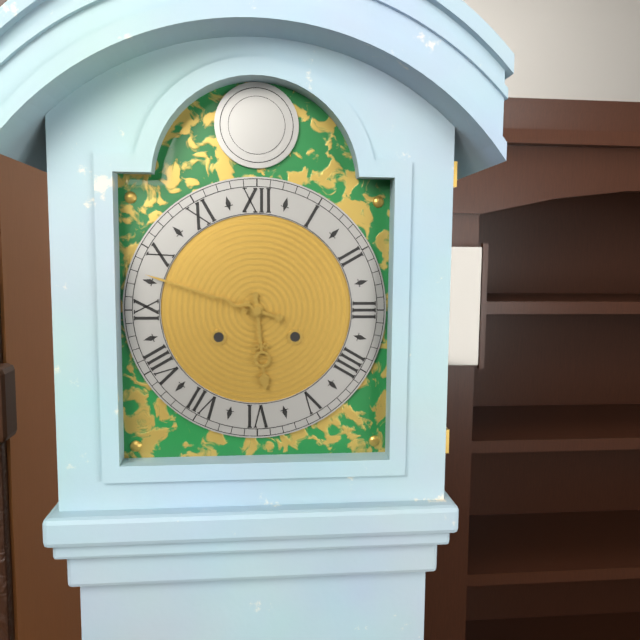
5:48
